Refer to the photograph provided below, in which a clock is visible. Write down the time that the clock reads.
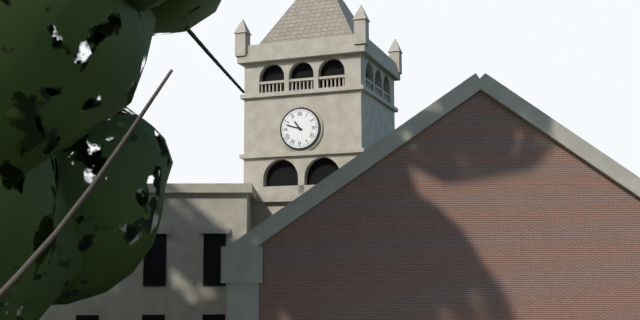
10:48
